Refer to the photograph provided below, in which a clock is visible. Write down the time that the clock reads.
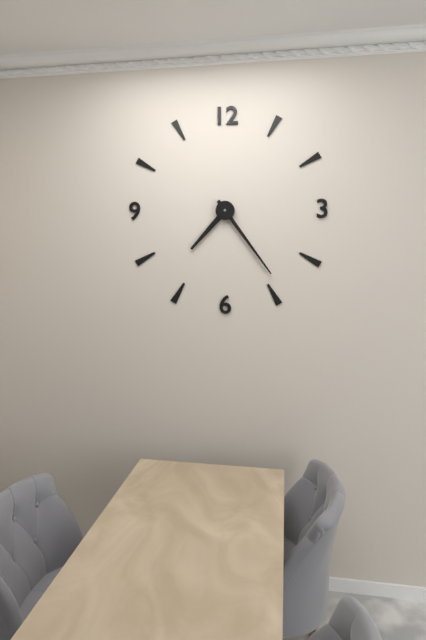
7:24
